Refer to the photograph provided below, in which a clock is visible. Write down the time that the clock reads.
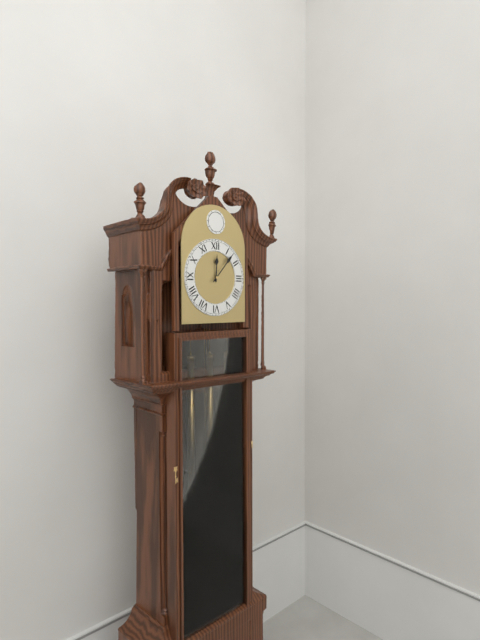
12:07
